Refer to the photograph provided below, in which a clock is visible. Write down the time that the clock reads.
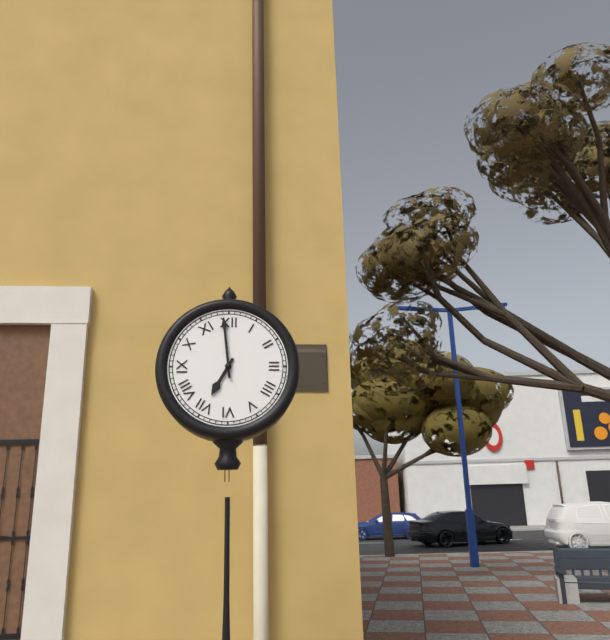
6:59
